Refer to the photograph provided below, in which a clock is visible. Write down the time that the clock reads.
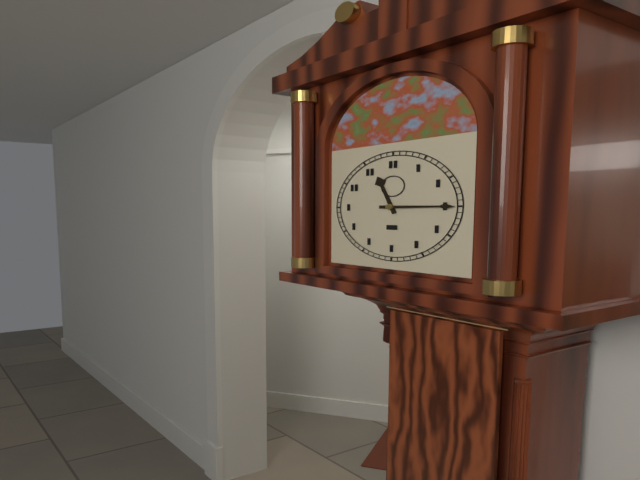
11:15
